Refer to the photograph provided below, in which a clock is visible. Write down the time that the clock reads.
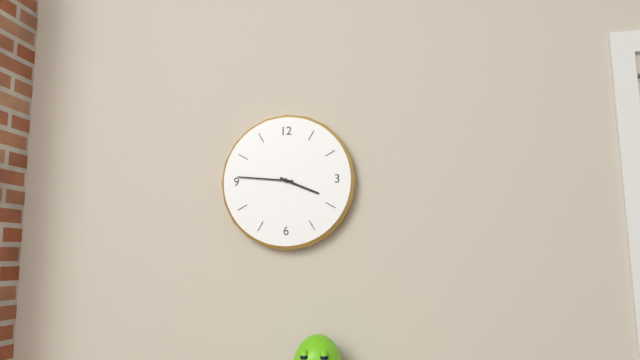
3:46
